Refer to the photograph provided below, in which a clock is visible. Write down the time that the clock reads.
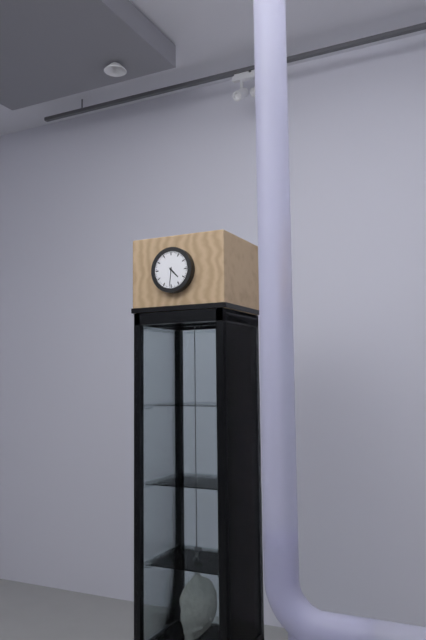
4:31
